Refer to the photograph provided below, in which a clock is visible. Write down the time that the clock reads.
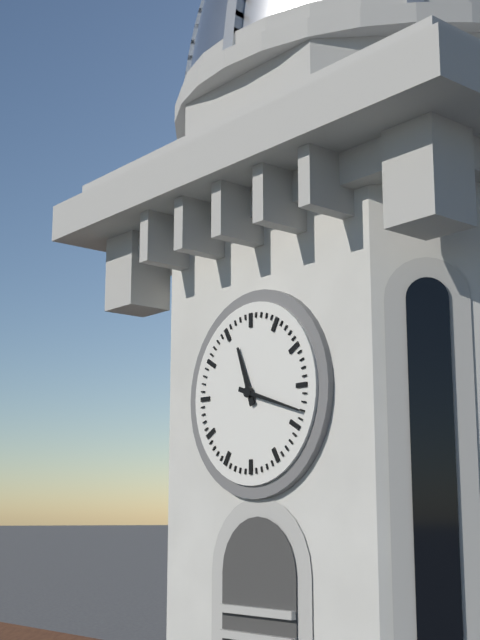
11:18
